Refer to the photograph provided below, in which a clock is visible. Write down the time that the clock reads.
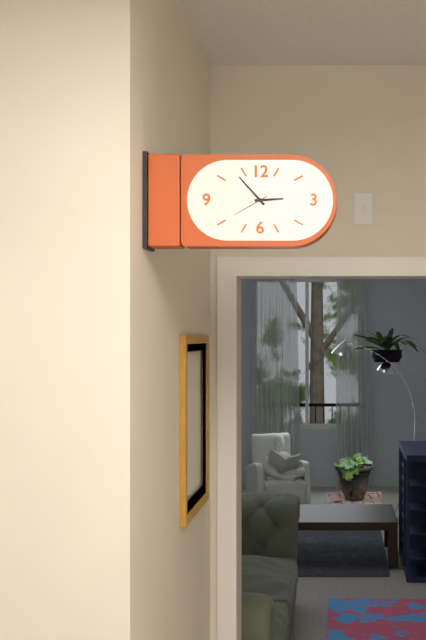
2:53
